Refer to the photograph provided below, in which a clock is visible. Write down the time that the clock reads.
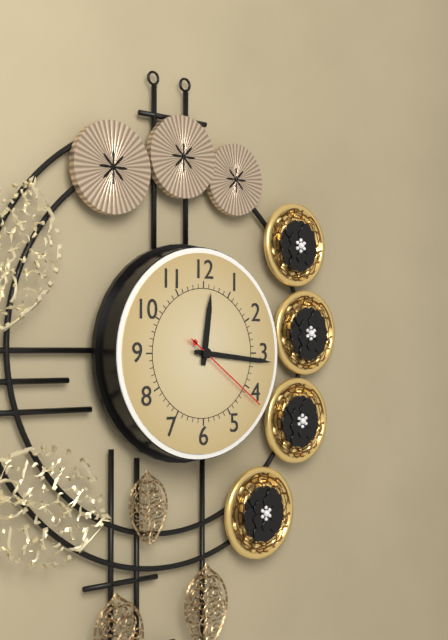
12:16:21
